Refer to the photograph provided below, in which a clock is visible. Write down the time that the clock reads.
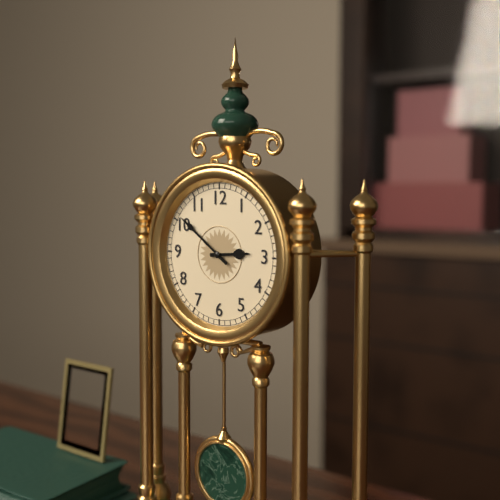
2:51
